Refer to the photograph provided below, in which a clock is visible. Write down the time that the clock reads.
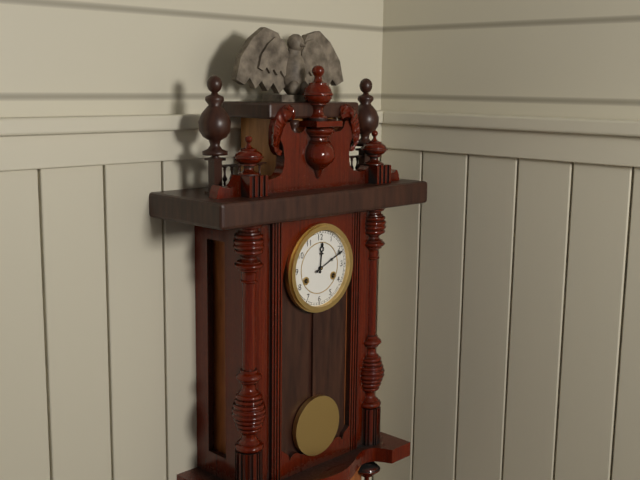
12:11
